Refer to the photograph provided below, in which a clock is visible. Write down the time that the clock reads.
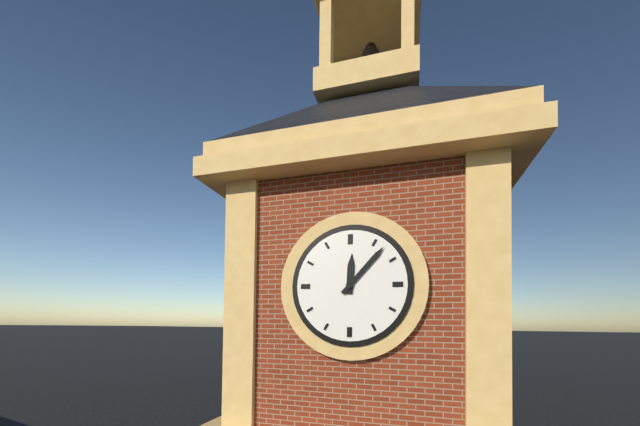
12:07
